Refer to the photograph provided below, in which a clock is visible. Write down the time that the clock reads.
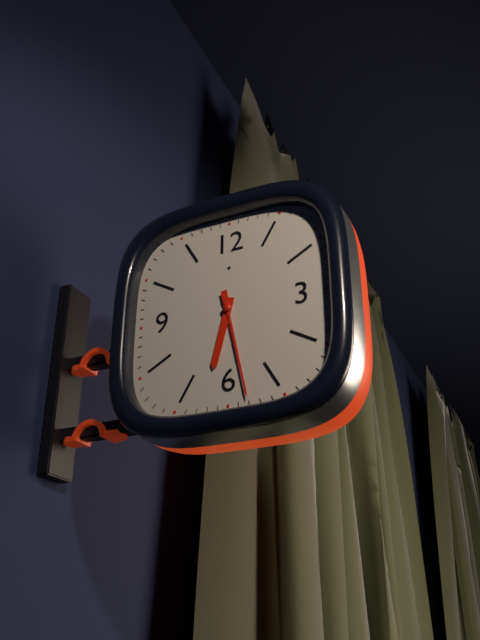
6:28
